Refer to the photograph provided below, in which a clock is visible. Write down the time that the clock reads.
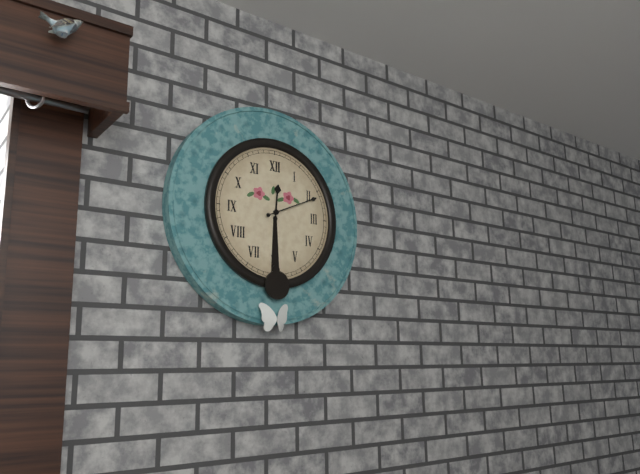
12:11
